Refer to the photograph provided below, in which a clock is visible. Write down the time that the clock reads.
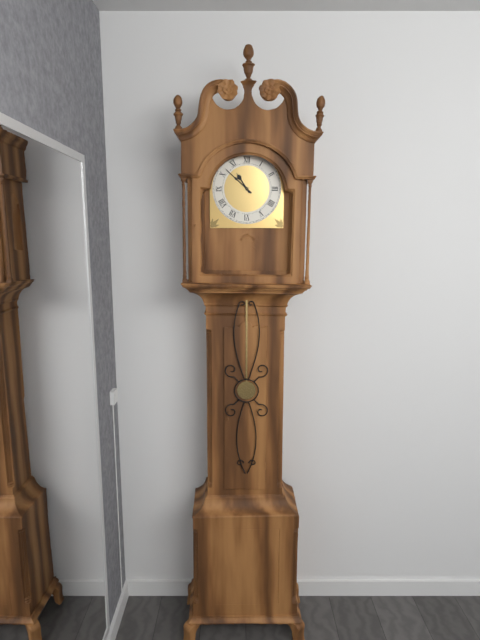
10:52
